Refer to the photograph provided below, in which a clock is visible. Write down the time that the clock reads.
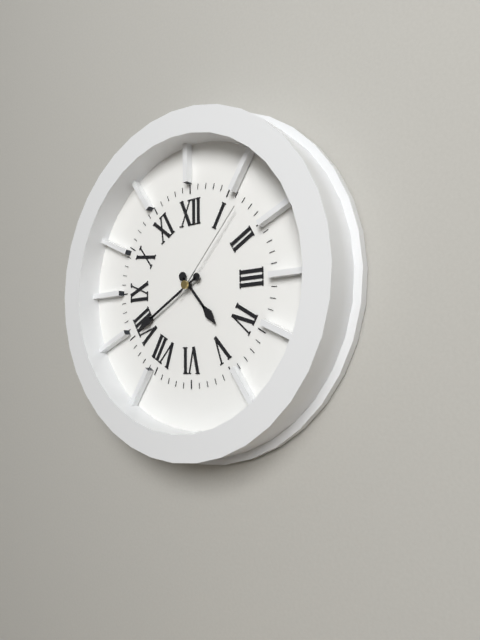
4:40:07
